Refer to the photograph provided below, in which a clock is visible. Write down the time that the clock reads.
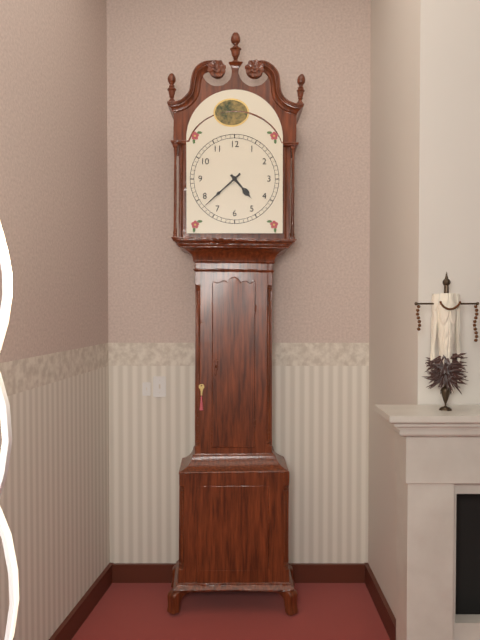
4:38
